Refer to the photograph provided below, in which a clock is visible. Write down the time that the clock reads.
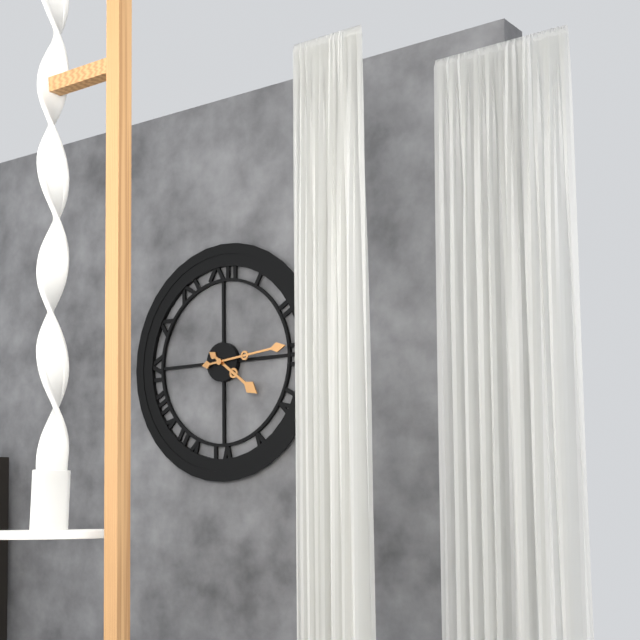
4:14
